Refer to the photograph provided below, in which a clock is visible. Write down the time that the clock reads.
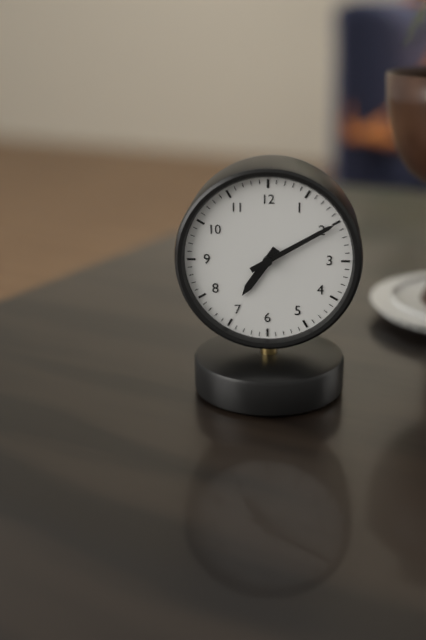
7:10
